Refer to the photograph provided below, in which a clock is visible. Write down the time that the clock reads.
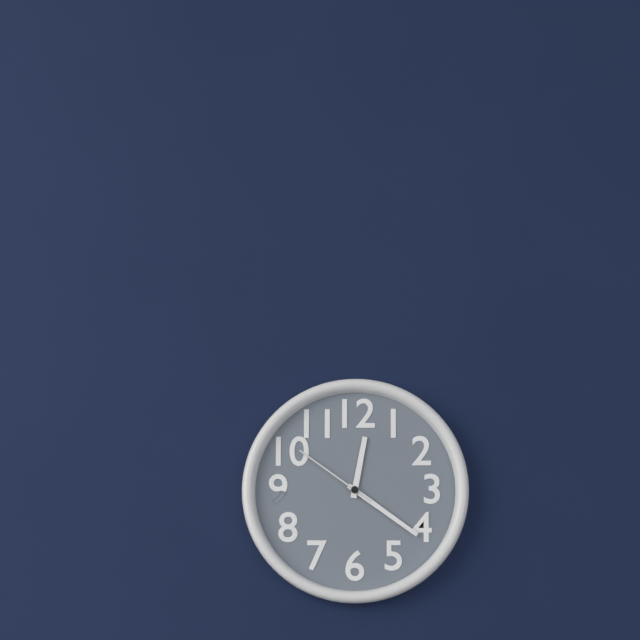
12:21:51
